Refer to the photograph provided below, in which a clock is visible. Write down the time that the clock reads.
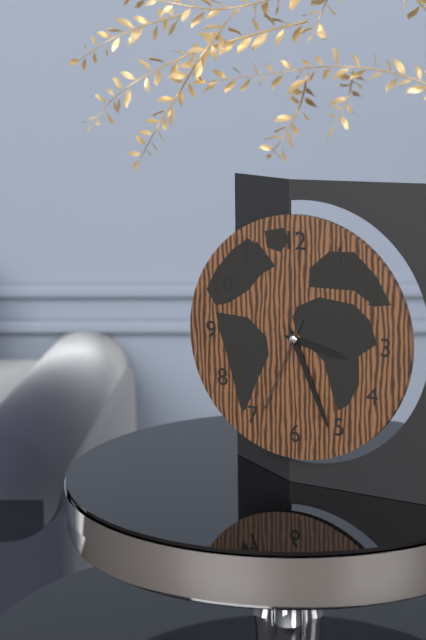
3:26:34
